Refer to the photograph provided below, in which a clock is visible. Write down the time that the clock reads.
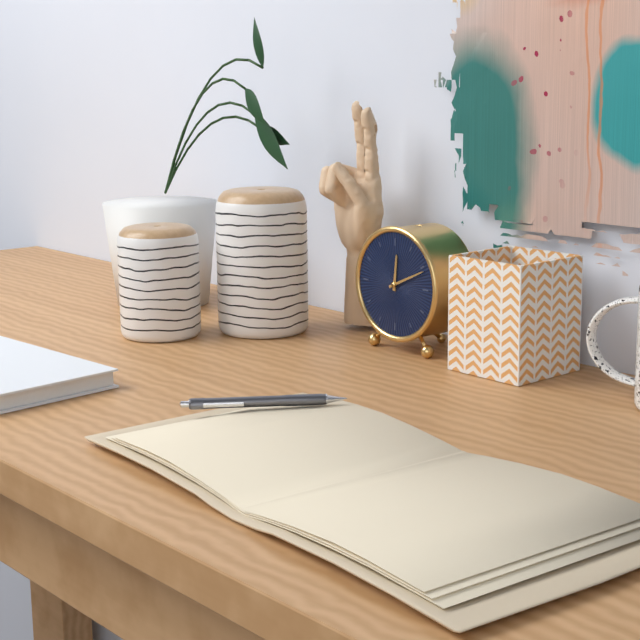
12:11
